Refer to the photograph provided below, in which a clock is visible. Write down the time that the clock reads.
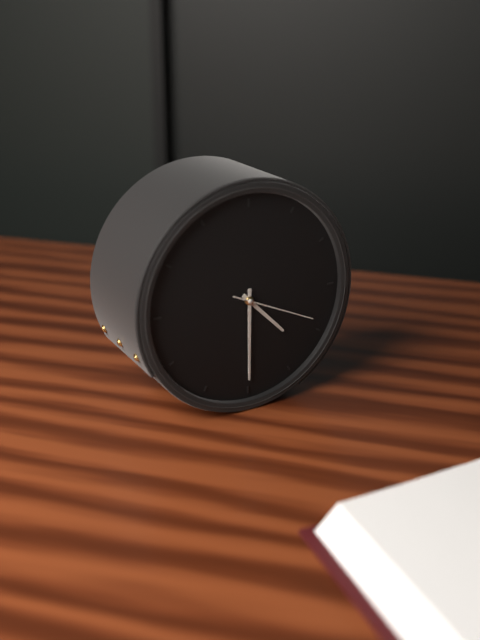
4:30:19
